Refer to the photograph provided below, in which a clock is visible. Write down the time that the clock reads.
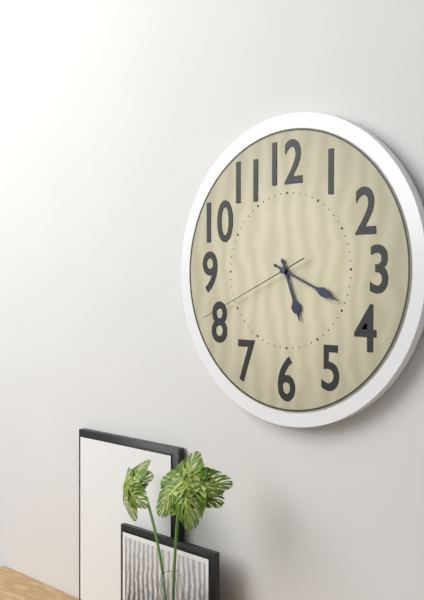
5:19:41
